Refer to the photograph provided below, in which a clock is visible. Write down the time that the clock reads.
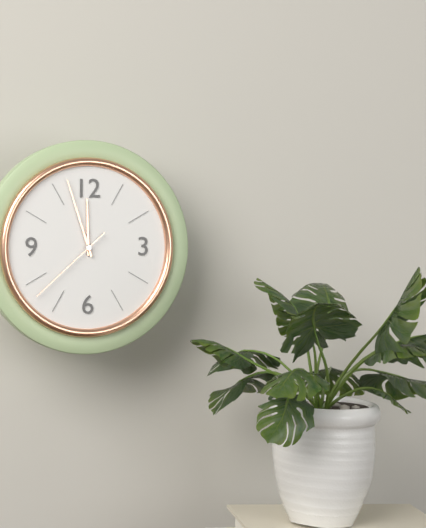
11:57:38
